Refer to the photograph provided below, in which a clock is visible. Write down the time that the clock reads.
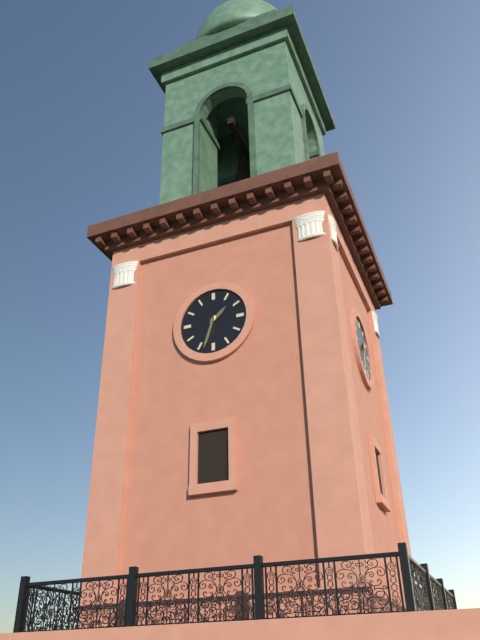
1:33
